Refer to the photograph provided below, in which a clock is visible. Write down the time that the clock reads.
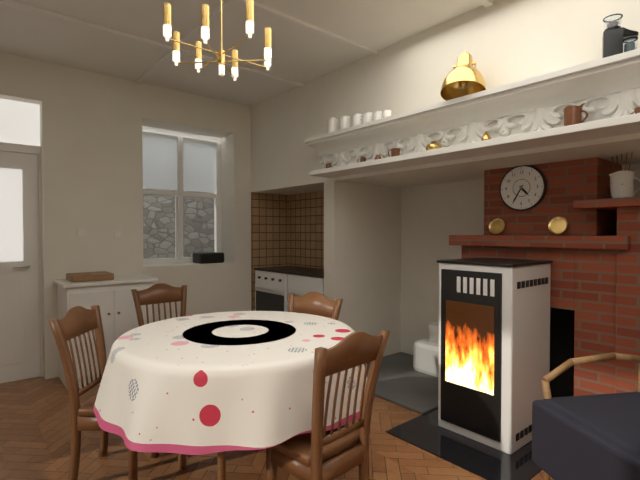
4:35
